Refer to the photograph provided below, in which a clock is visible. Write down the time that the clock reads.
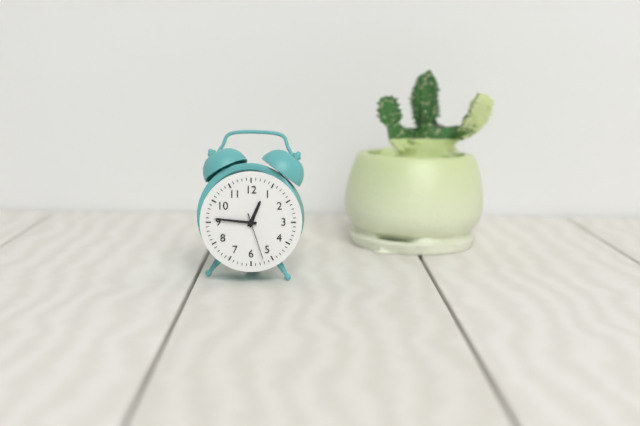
12:46:27
